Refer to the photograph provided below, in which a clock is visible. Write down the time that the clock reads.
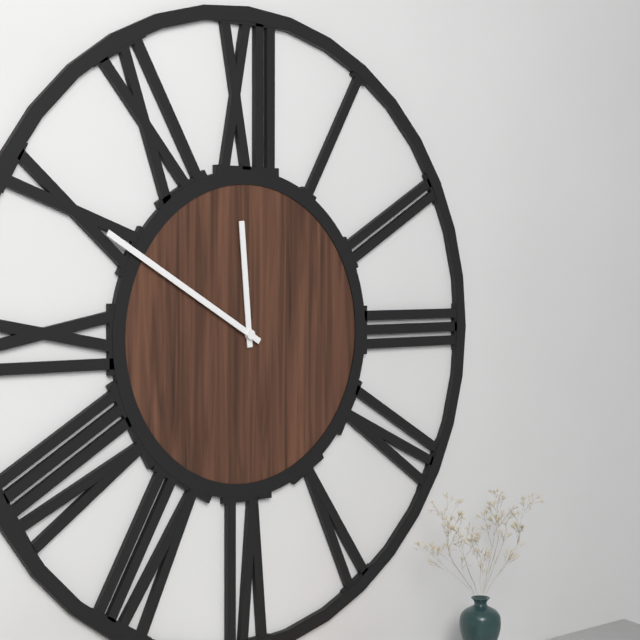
11:50
